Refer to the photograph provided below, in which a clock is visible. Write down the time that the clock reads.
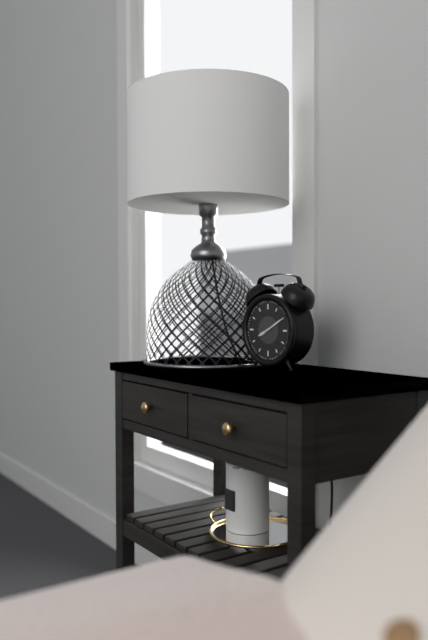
8:10
